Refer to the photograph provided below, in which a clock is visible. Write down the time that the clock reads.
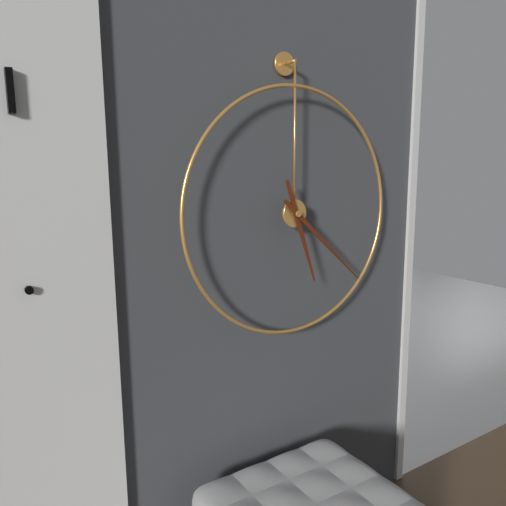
5:22
